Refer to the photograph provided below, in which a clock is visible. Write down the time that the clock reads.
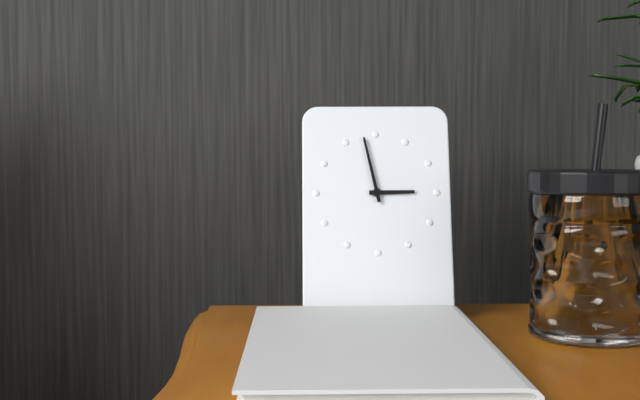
2:58
